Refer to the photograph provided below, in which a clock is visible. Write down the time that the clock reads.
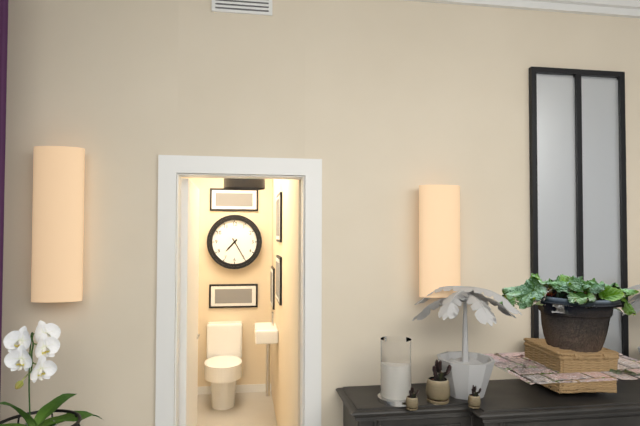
7:25
